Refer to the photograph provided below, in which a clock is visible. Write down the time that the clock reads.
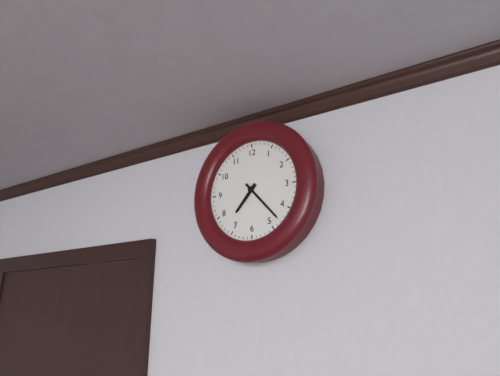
7:23
